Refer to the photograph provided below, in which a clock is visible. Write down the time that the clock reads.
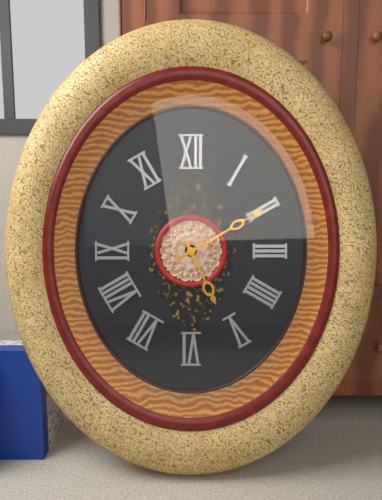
5:10
